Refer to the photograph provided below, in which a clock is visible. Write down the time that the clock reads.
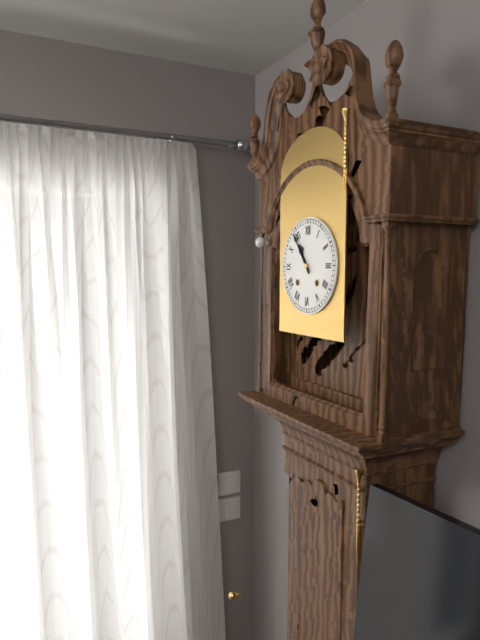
10:54
